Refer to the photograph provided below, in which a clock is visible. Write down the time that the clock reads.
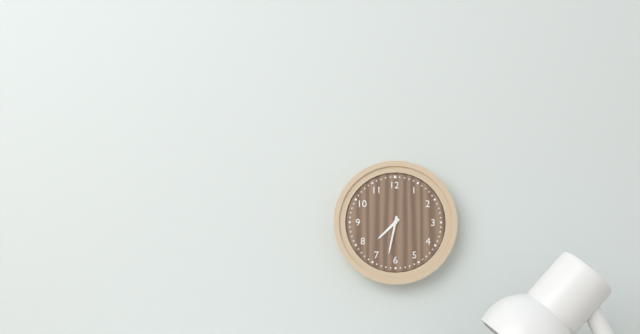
7:32
